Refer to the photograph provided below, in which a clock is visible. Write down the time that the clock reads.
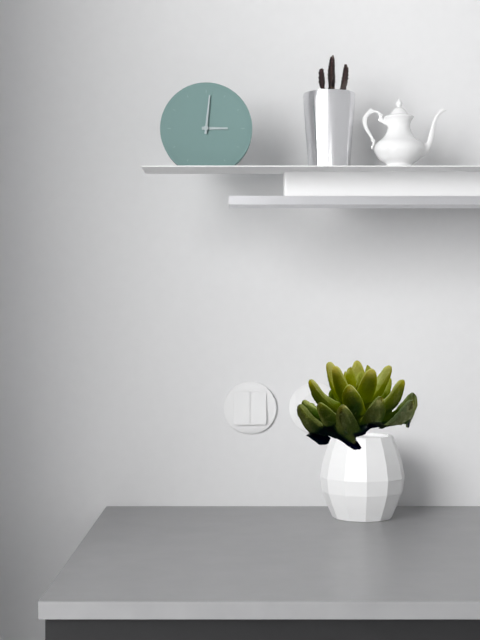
3:01
